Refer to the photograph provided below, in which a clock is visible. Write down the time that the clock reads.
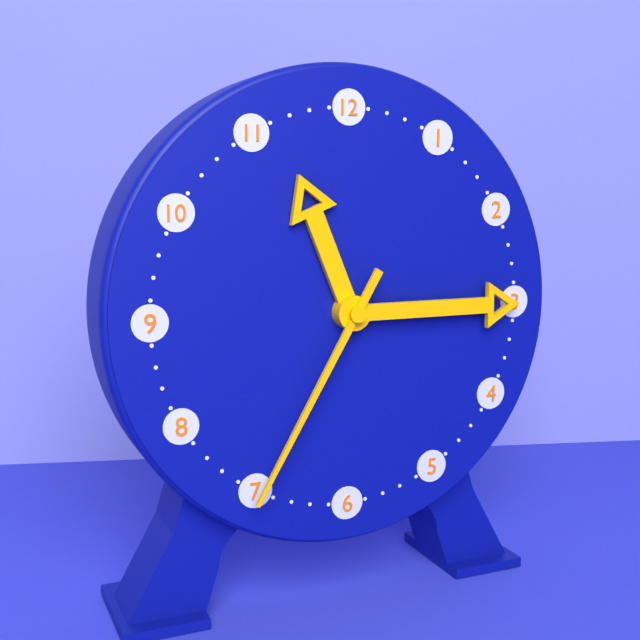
11:15:35
